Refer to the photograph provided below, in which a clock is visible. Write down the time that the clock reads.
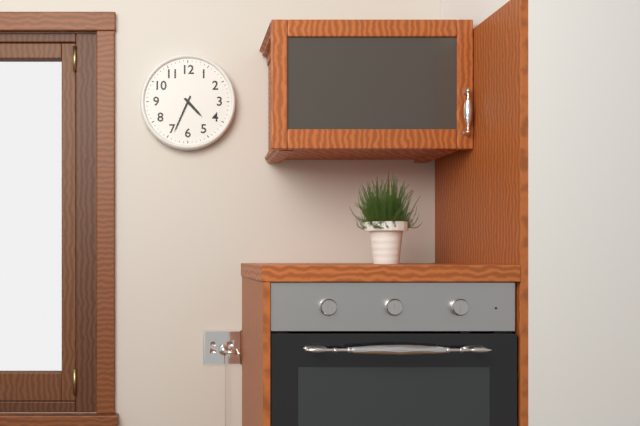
4:34
